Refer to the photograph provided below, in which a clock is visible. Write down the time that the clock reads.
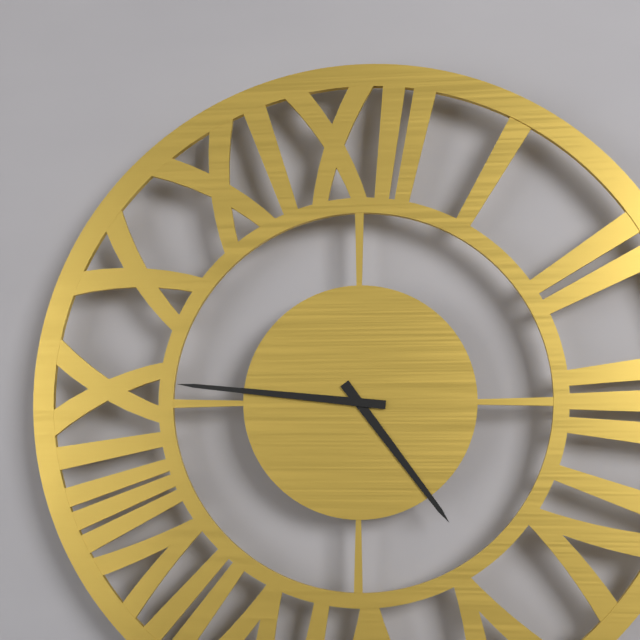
4:46
